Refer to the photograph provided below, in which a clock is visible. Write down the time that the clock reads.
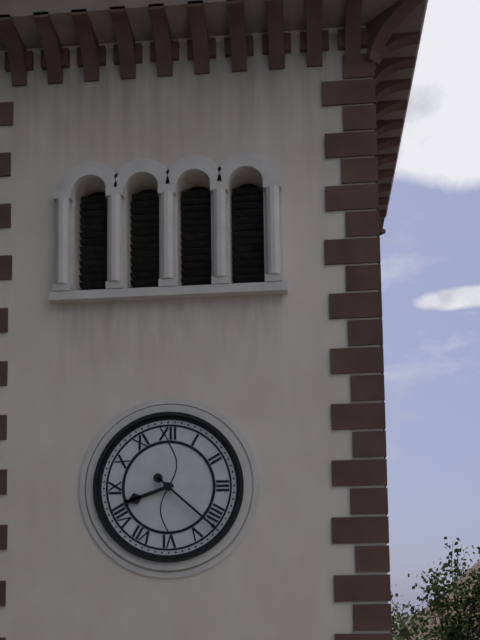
8:22
